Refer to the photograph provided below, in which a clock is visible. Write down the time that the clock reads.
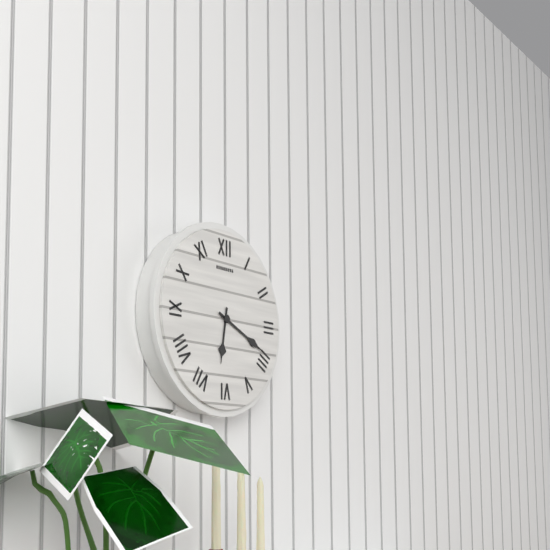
6:19
